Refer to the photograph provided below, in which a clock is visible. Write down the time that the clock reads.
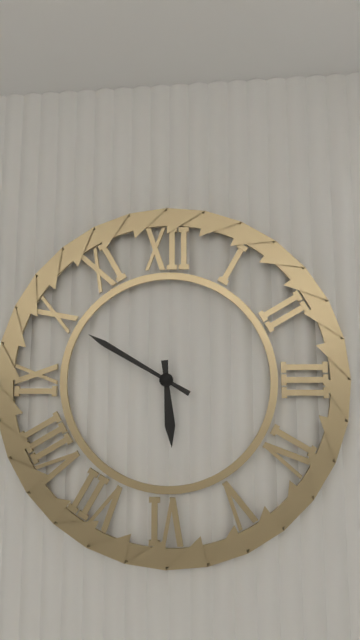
5:50
